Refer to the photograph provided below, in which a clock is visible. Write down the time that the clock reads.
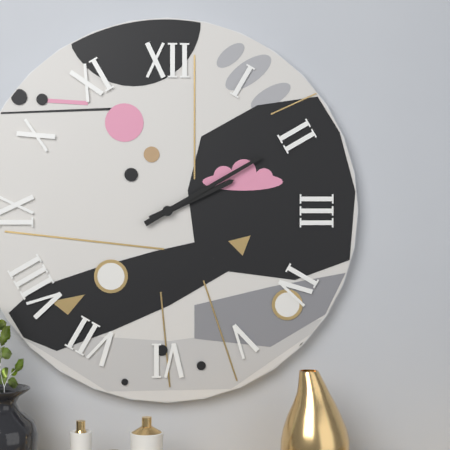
2:10
